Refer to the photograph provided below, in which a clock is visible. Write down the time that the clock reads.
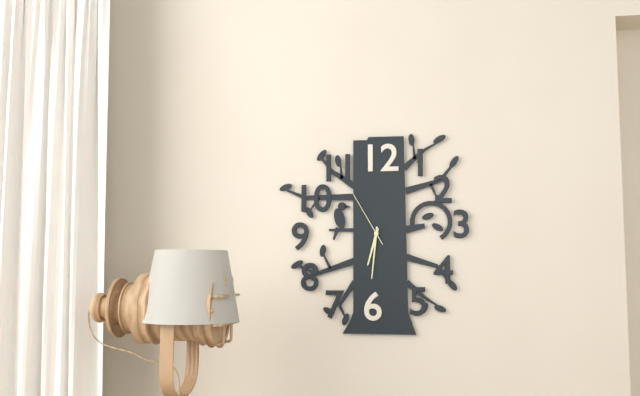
6:31:55
